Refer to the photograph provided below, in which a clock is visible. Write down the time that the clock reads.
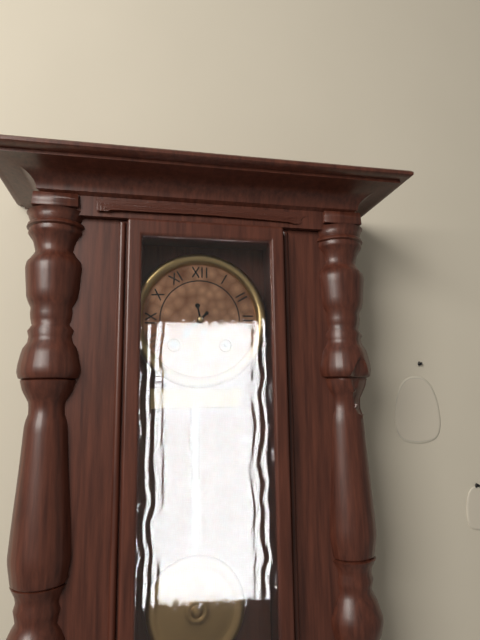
7:28
